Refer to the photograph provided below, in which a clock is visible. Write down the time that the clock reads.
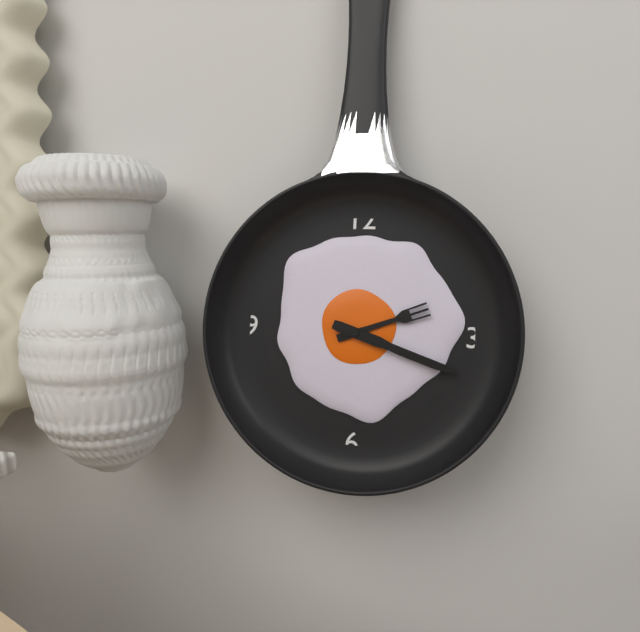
2:18
